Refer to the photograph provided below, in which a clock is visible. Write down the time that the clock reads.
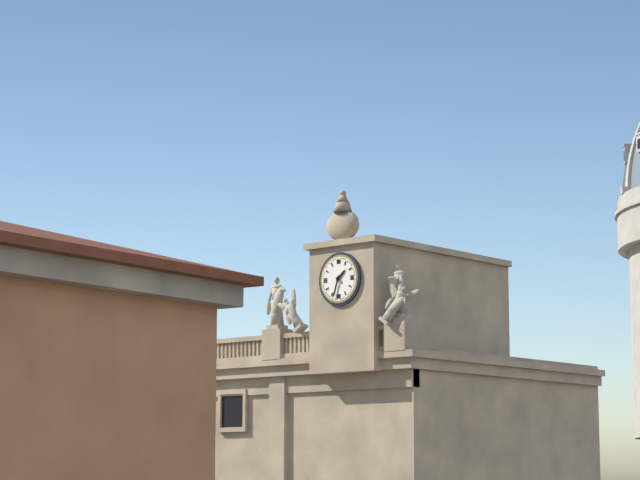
1:33
